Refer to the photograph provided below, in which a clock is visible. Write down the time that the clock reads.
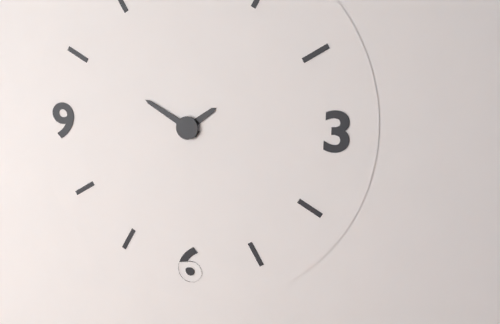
1:50
